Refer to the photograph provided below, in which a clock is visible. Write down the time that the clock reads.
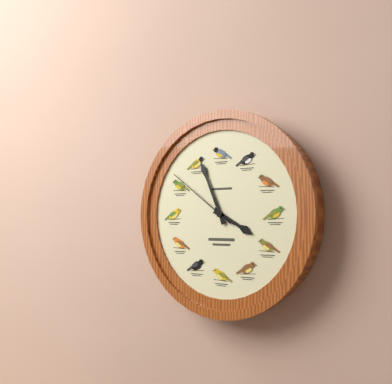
3:56:51
